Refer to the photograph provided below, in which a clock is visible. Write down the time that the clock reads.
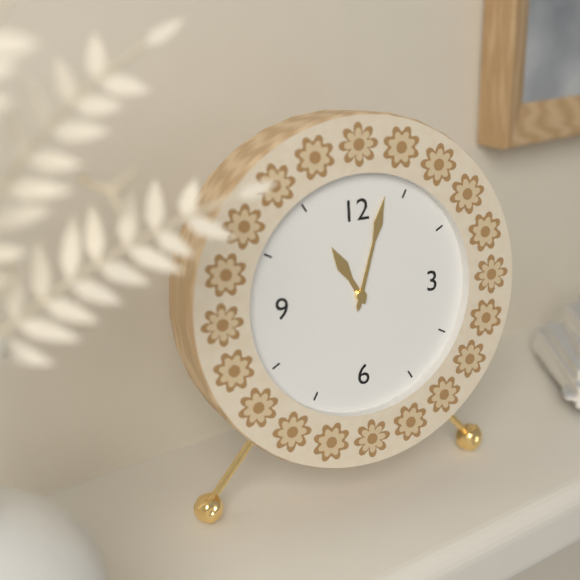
11:03
